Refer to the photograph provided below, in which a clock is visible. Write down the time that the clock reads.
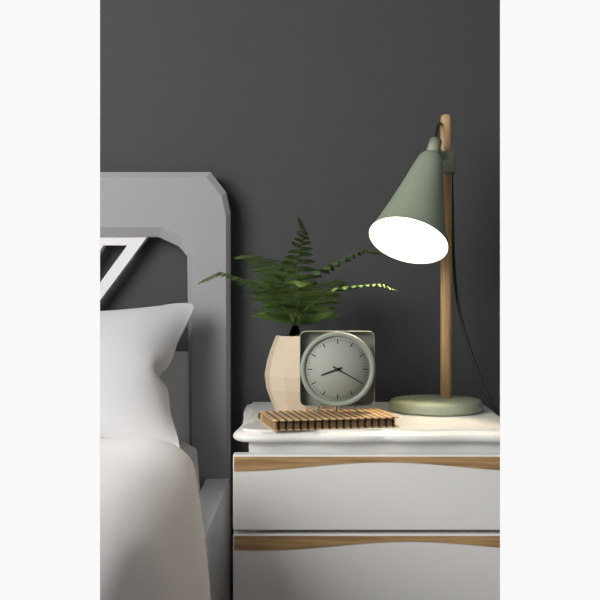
8:20
